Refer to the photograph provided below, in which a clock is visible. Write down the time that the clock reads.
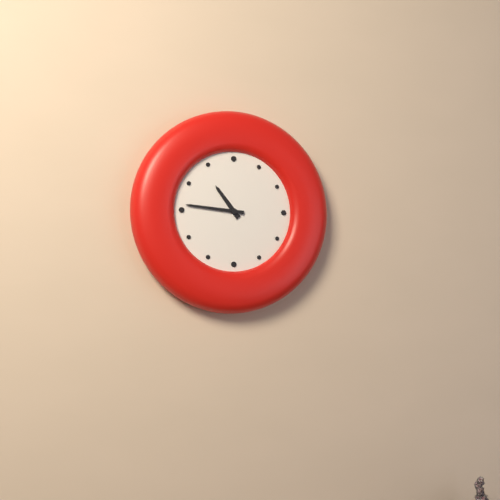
10:46
